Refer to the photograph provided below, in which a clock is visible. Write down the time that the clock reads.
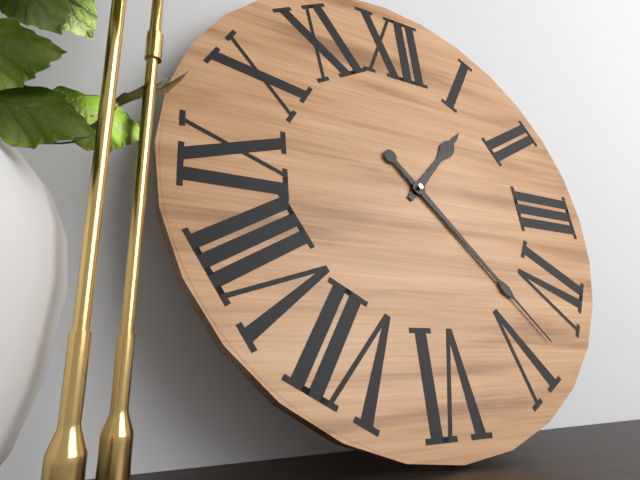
1:23
